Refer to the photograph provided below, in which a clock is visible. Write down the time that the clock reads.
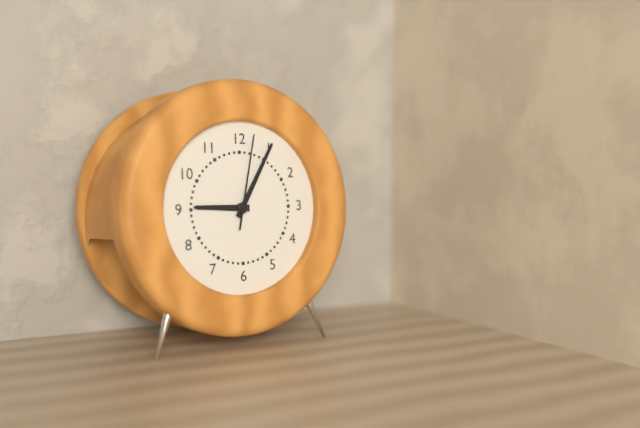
9:05:02
